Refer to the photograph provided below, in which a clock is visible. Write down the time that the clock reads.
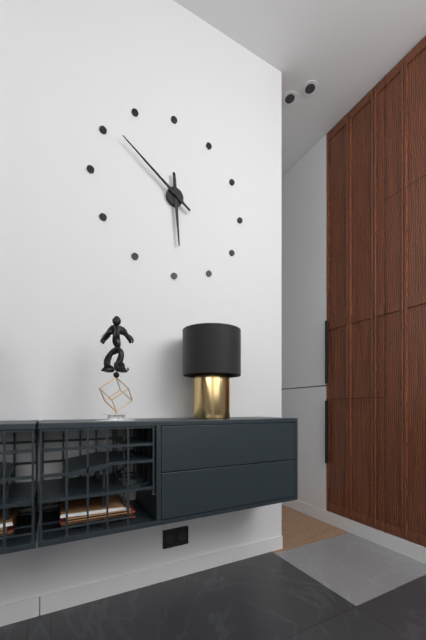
5:51
